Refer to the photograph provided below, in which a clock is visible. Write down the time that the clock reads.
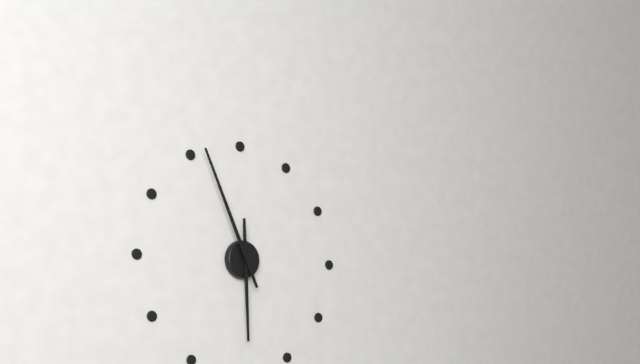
5:56
